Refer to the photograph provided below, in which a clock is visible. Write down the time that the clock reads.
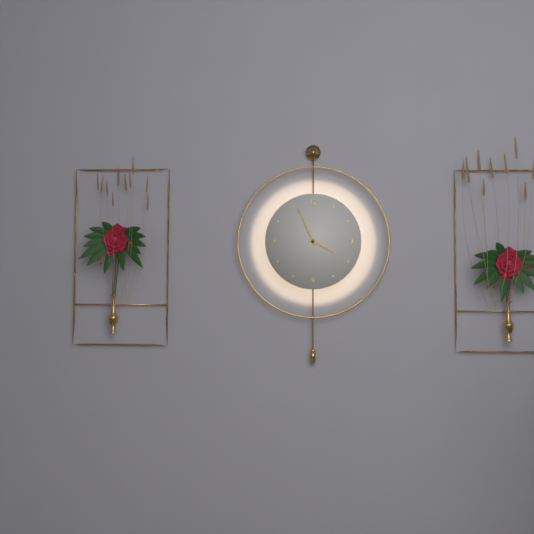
3:56
